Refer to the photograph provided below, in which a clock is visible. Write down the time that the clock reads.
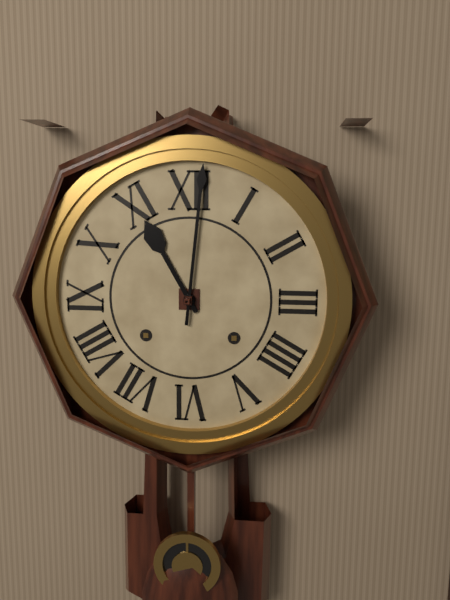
11:01
